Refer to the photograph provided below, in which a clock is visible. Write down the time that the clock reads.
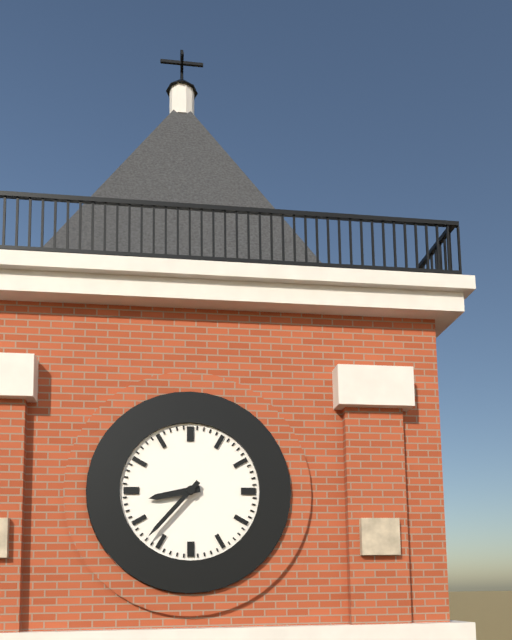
8:37
